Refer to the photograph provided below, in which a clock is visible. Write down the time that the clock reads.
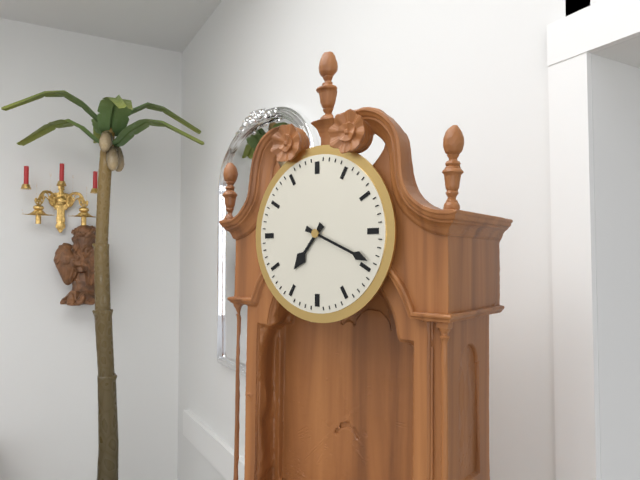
7:19
